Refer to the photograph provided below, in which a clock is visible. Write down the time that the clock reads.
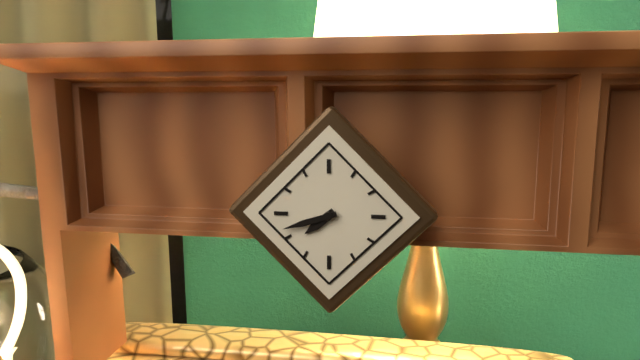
7:42
